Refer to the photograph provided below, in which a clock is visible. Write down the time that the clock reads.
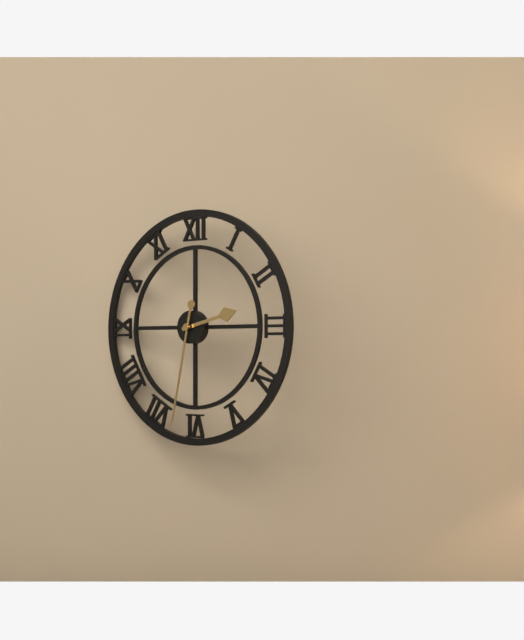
2:32
